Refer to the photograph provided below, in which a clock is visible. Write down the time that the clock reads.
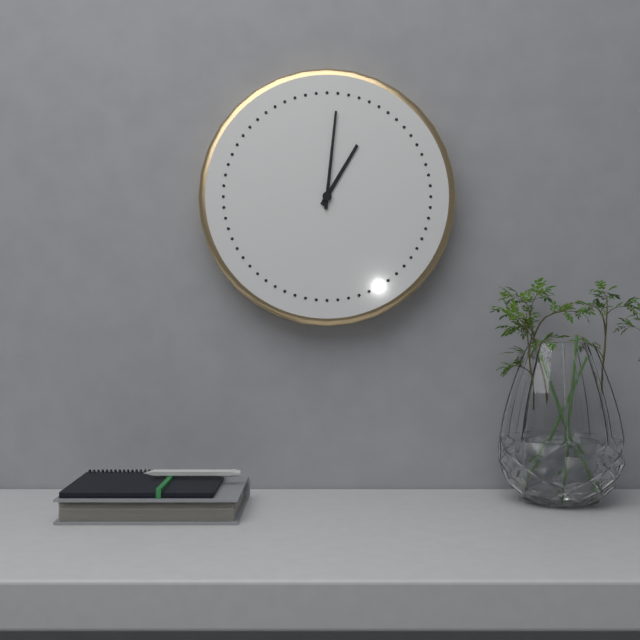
1:01
